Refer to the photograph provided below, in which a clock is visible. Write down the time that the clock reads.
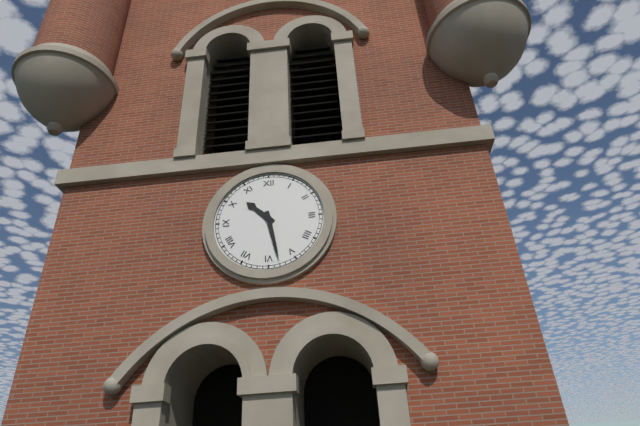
10:28
